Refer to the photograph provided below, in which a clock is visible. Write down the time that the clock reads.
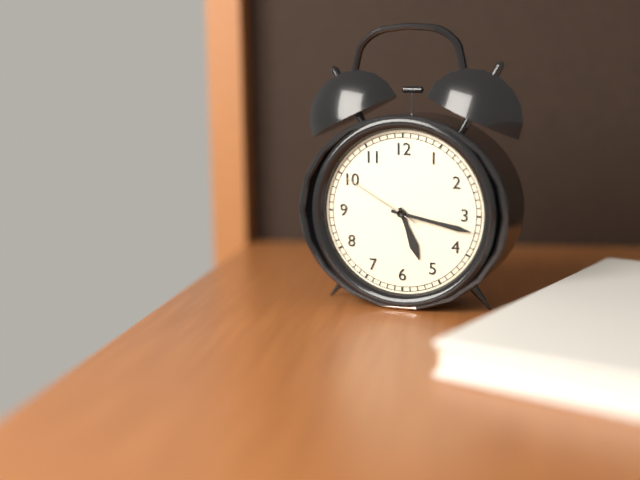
5:17:50
